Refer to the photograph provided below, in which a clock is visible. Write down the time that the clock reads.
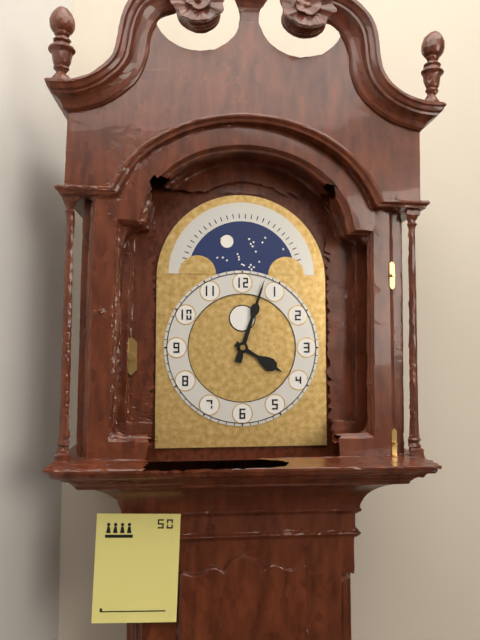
4:03
